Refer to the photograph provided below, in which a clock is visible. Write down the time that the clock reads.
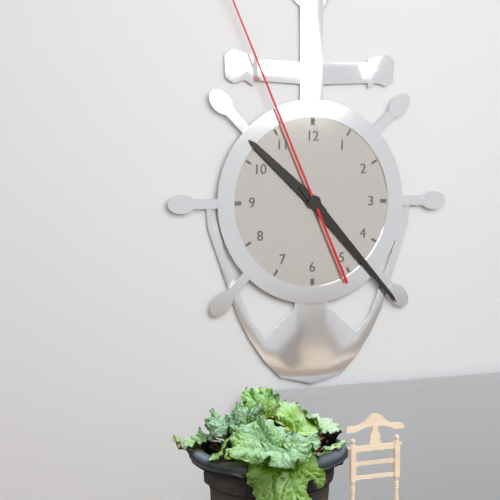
10:23
